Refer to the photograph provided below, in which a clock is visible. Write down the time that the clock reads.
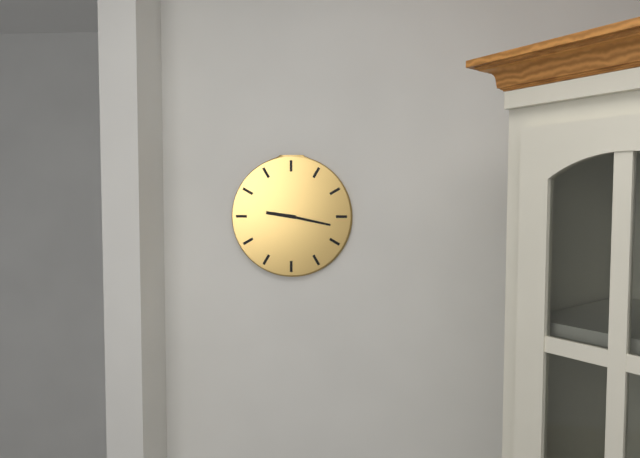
9:17
